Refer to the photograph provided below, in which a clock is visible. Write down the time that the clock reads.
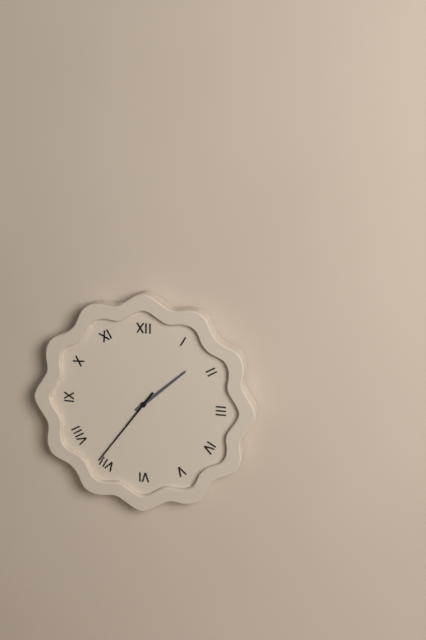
1:36
